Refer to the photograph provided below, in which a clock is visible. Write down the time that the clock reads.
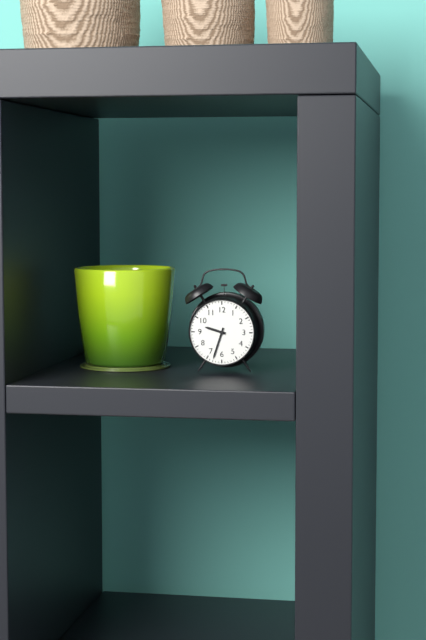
9:33
